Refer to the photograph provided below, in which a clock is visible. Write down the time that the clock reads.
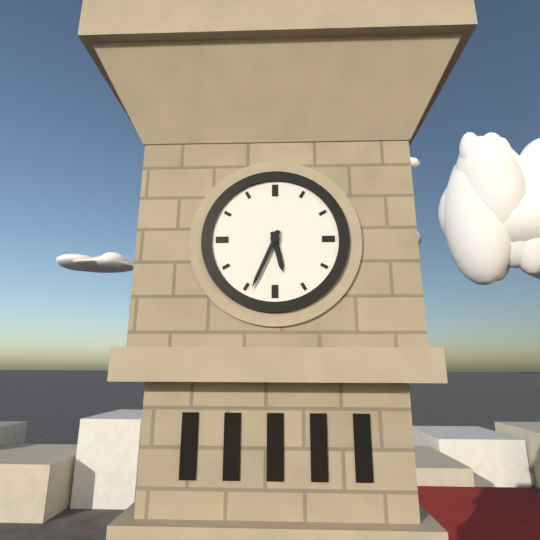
5:34
